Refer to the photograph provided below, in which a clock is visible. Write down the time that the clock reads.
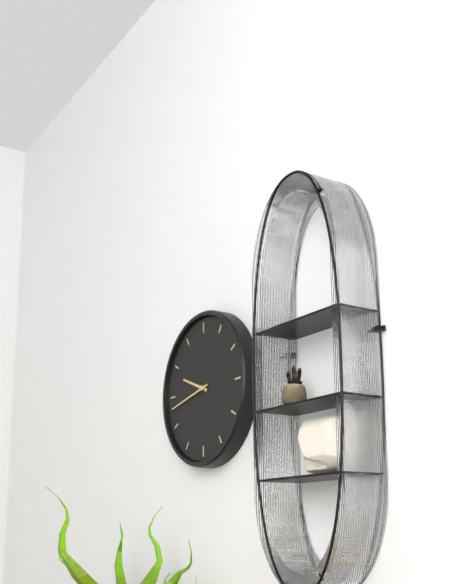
9:43
